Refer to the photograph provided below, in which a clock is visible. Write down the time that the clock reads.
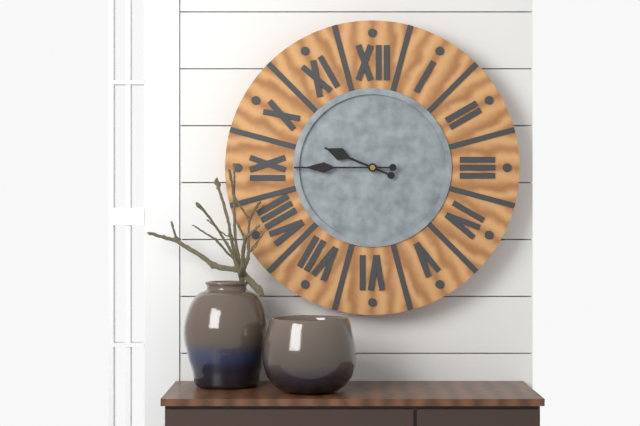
9:45
